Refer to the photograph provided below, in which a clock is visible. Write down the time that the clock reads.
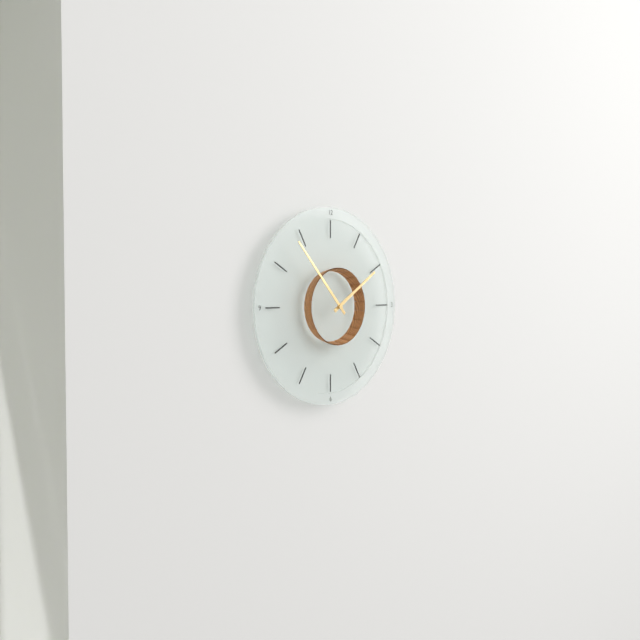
1:53
